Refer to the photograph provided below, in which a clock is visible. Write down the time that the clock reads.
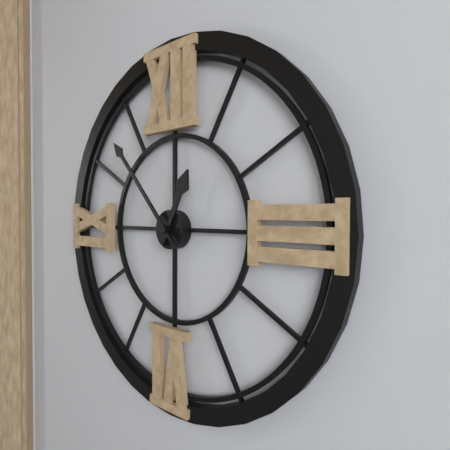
12:53
